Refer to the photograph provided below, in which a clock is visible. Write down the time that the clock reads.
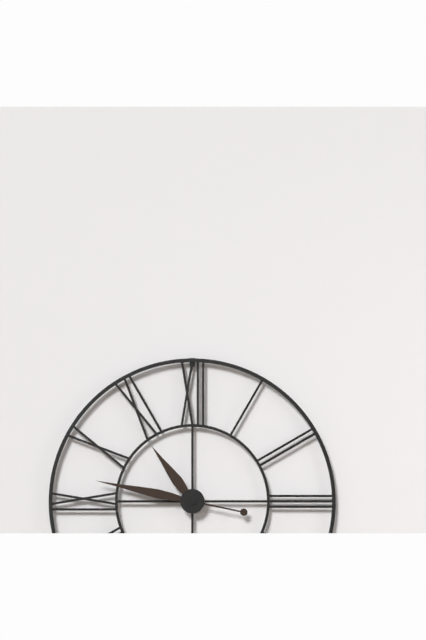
10:47
